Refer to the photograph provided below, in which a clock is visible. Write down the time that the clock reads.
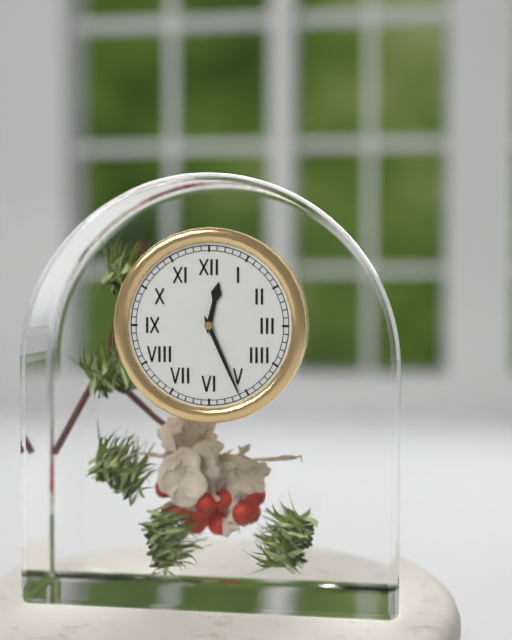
12:26
